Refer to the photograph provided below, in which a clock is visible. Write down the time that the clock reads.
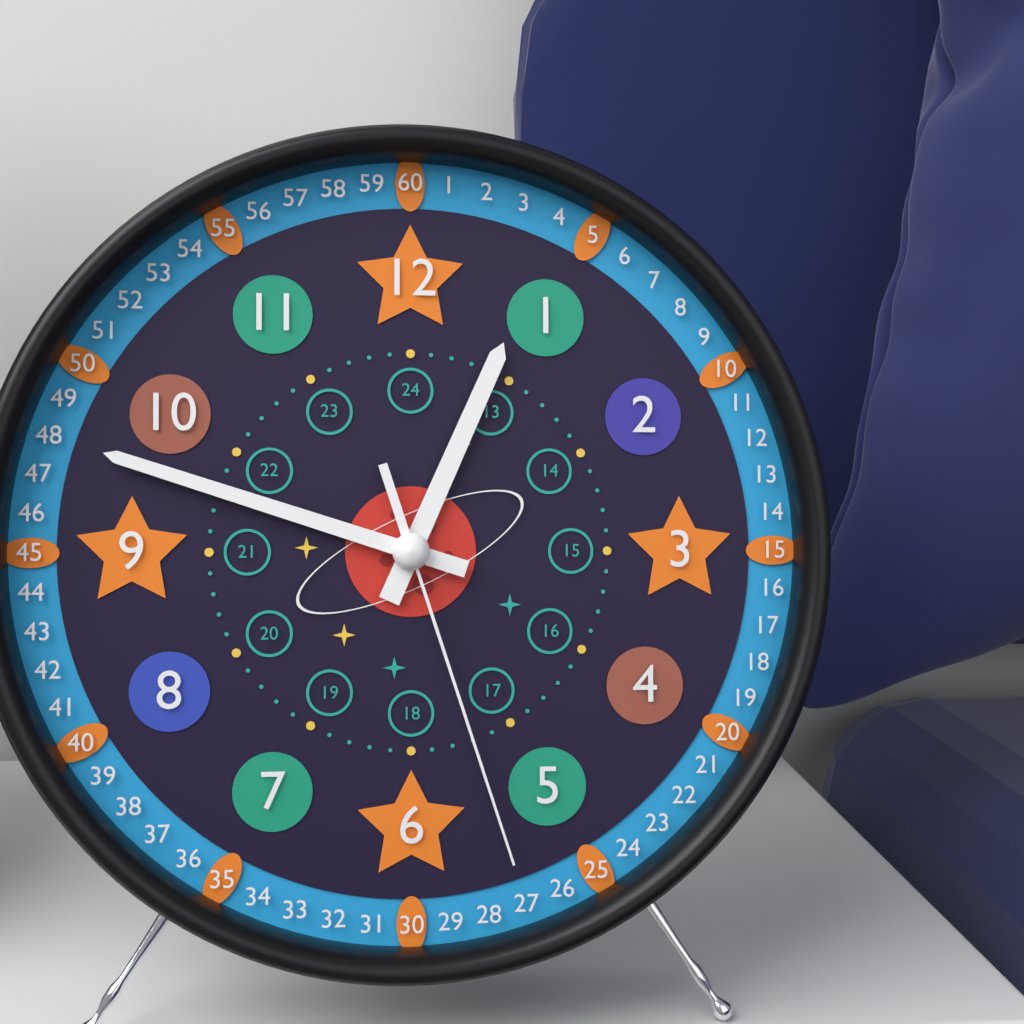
12:48:27
